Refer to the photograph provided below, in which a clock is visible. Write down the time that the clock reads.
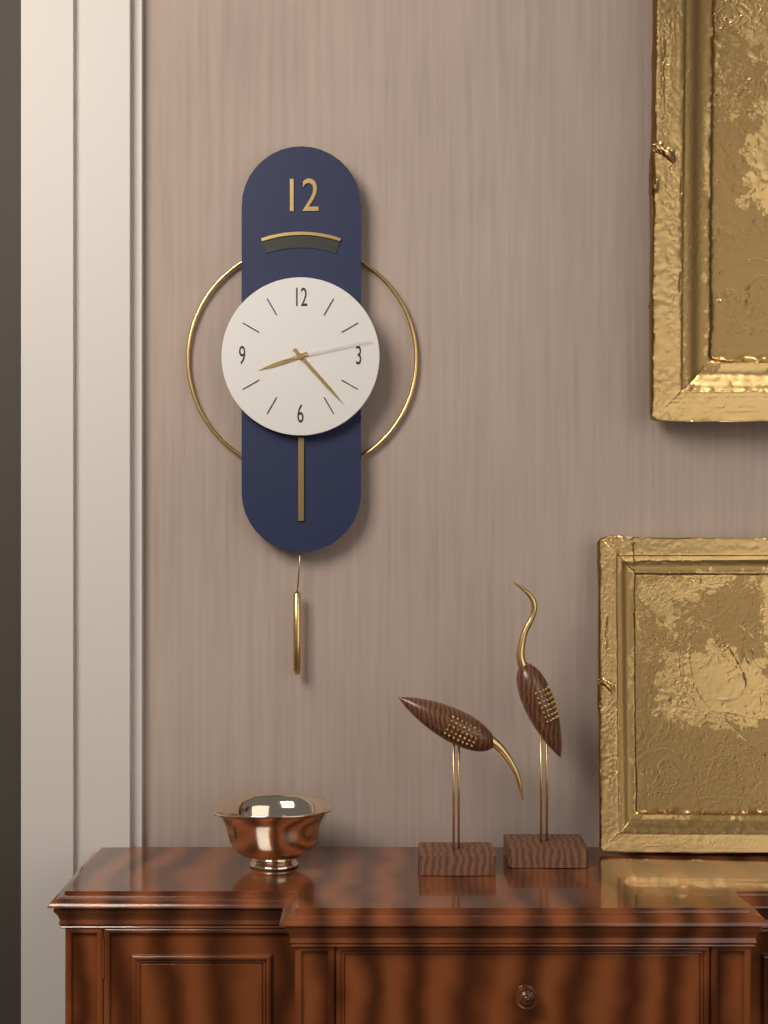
8:23:13
